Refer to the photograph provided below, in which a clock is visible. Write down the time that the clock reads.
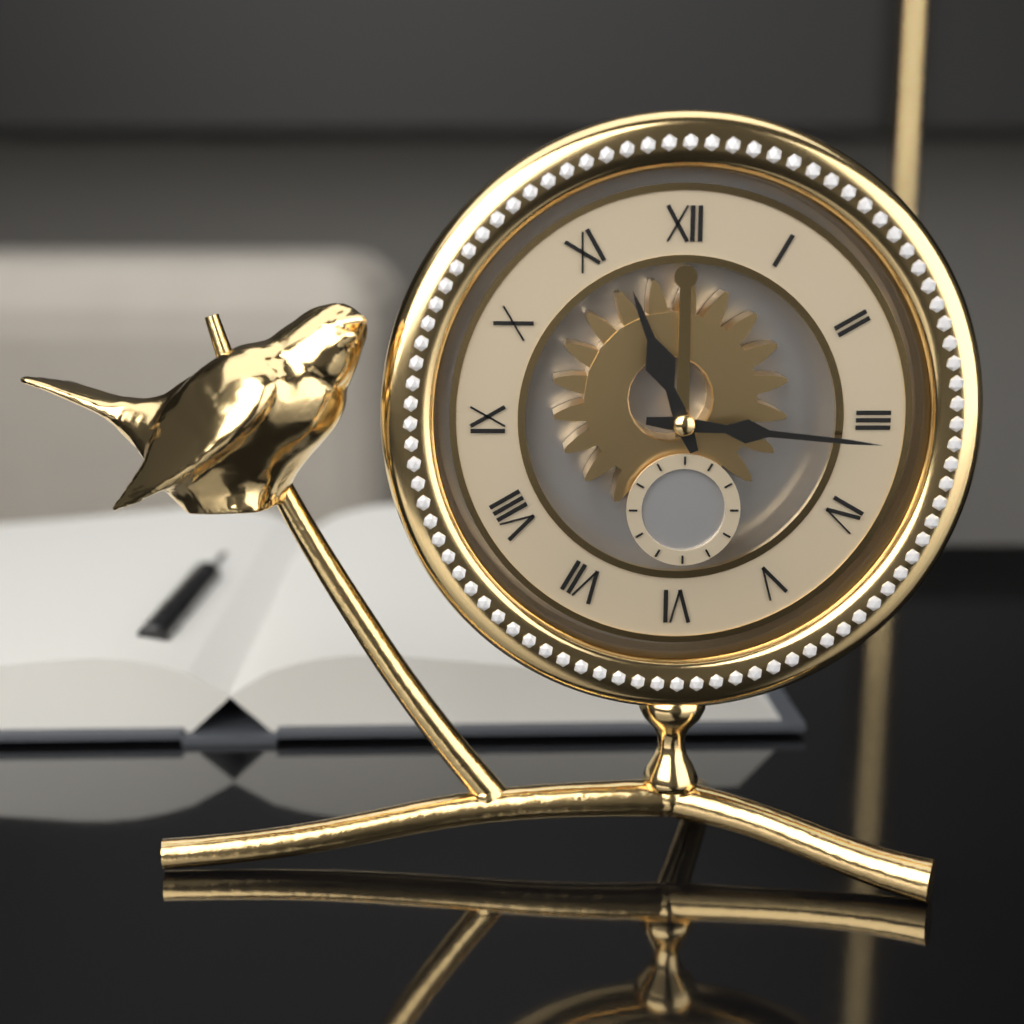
11:16
